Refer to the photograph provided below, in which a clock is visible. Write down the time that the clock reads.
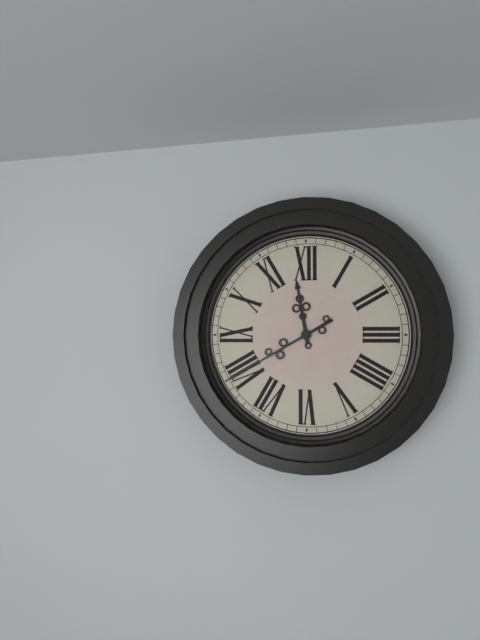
11:40
